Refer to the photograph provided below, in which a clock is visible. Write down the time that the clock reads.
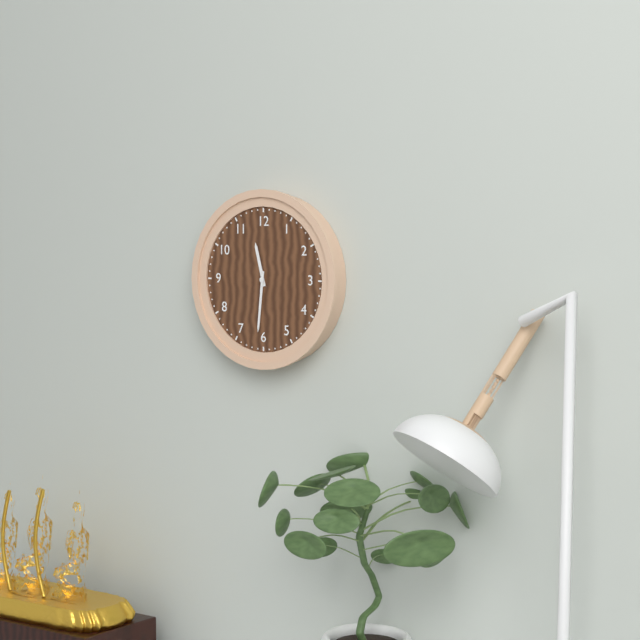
11:31
